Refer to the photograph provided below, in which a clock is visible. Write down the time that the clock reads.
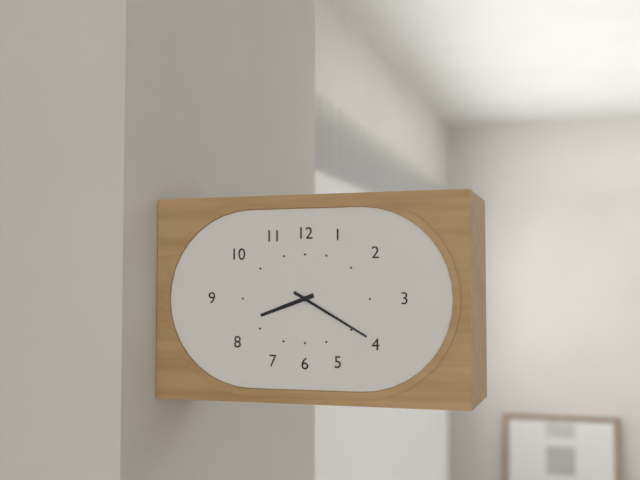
8:20
